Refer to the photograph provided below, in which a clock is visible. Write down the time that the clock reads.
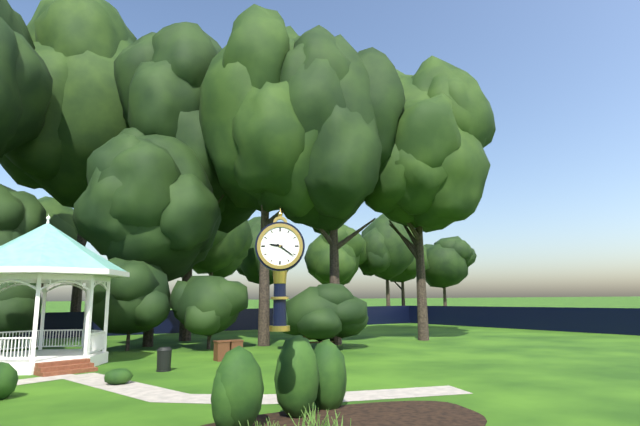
9:21
